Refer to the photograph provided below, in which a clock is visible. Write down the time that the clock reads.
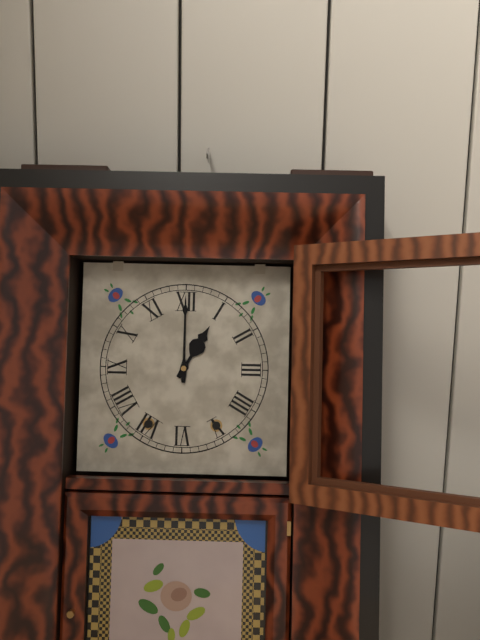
1:00
